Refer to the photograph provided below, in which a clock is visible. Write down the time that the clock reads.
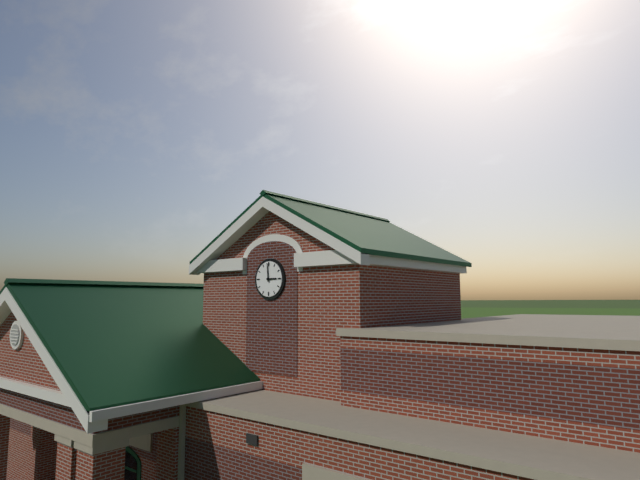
2:59
